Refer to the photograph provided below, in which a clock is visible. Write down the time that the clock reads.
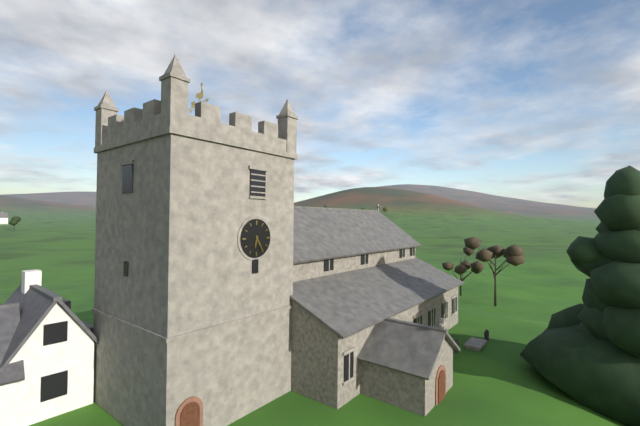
6:25
